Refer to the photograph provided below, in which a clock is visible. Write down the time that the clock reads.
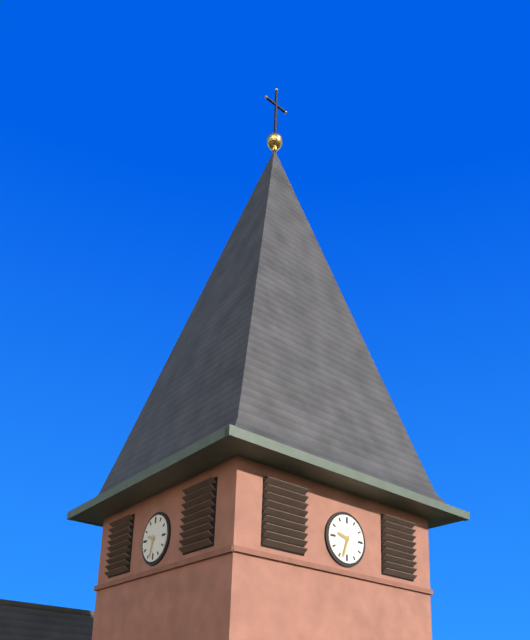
9:33
